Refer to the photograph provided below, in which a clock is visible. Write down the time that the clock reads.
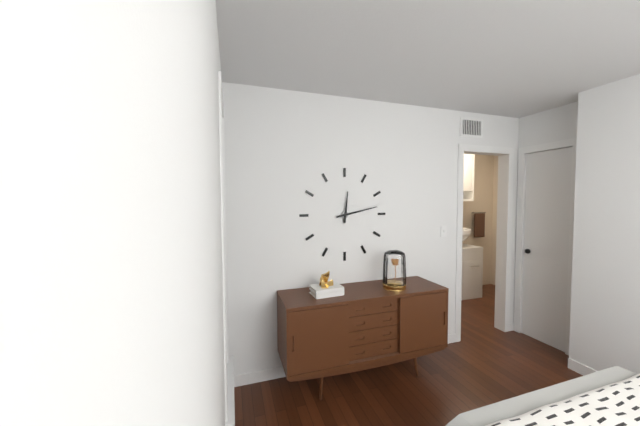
12:13
